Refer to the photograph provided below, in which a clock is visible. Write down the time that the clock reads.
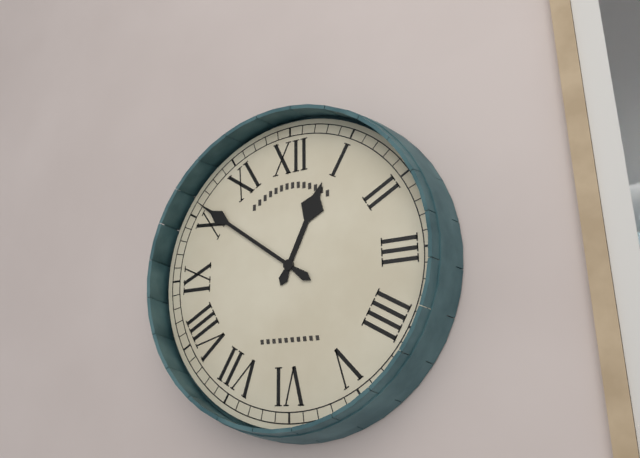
12:51
